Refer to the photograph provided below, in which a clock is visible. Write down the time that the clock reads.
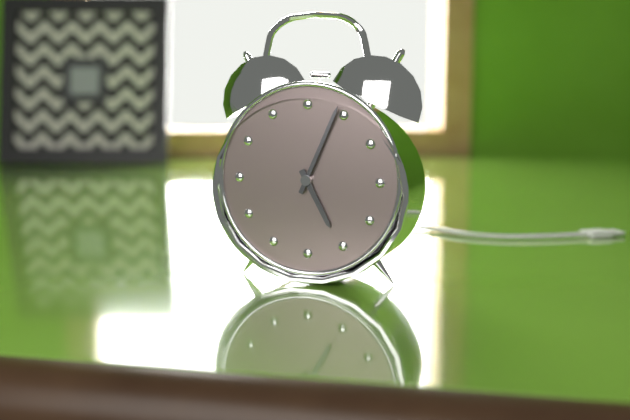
5:04
